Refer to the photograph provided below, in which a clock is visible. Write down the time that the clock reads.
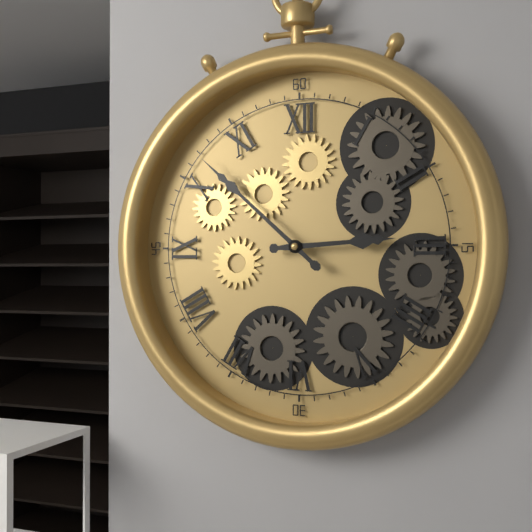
2:52
